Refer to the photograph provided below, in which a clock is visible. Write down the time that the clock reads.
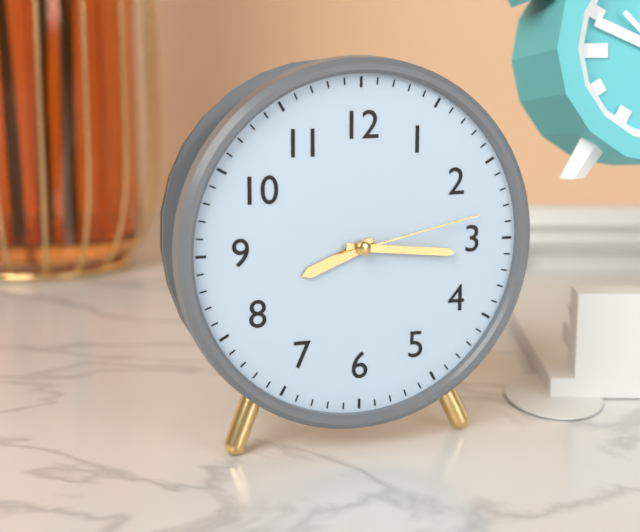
8:16:13
